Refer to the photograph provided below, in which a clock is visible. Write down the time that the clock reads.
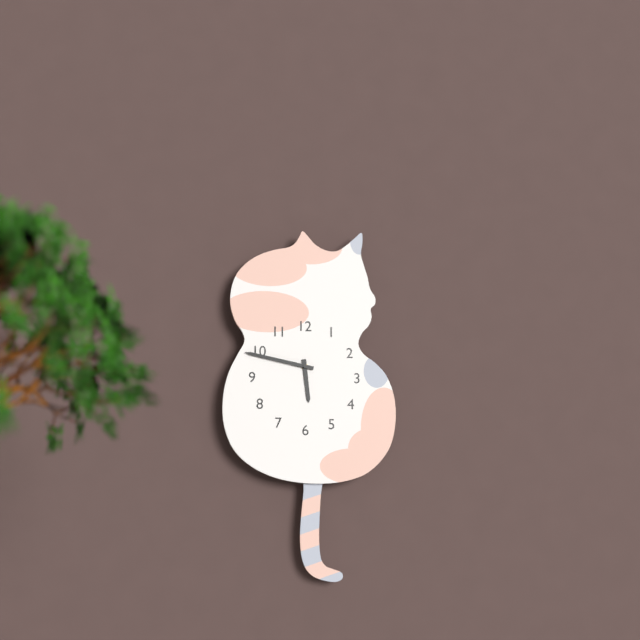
5:47
